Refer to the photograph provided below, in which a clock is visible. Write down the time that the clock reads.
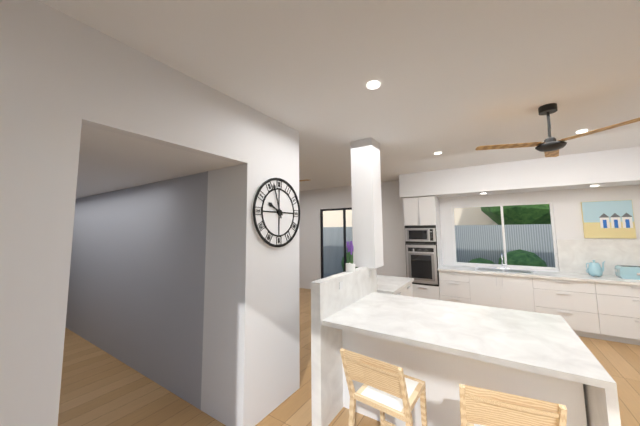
9:57
